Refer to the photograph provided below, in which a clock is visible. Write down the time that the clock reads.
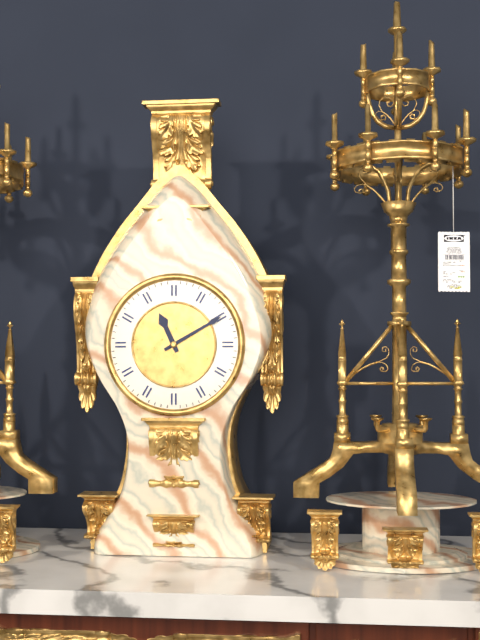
11:10
